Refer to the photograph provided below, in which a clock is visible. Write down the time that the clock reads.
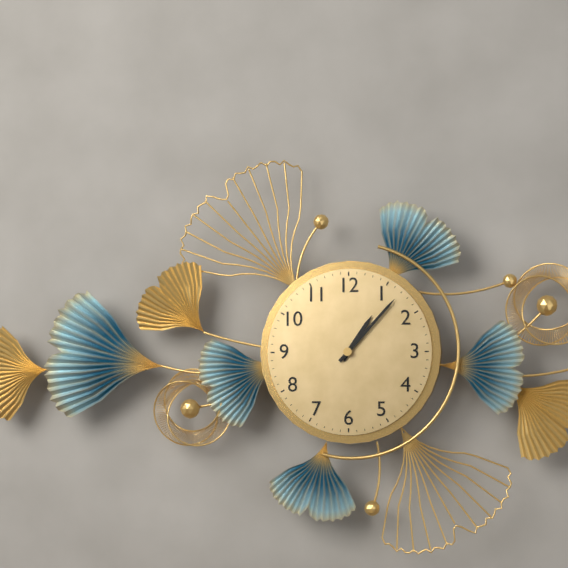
1:07
